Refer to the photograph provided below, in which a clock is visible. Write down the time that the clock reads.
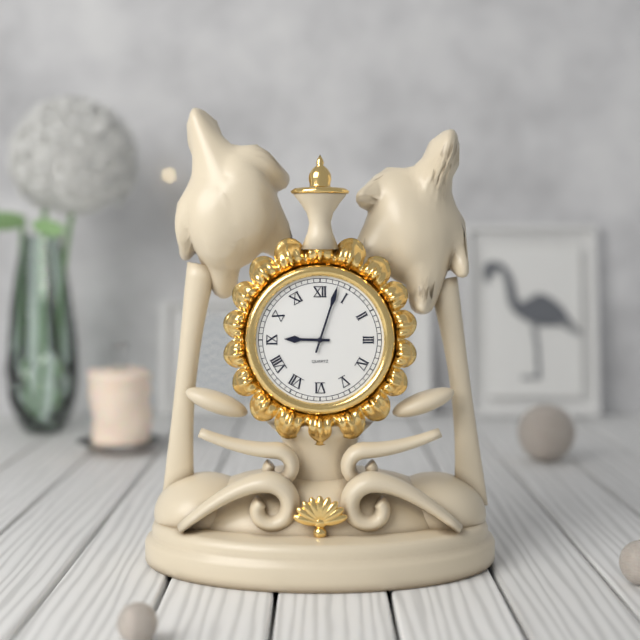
9:03
